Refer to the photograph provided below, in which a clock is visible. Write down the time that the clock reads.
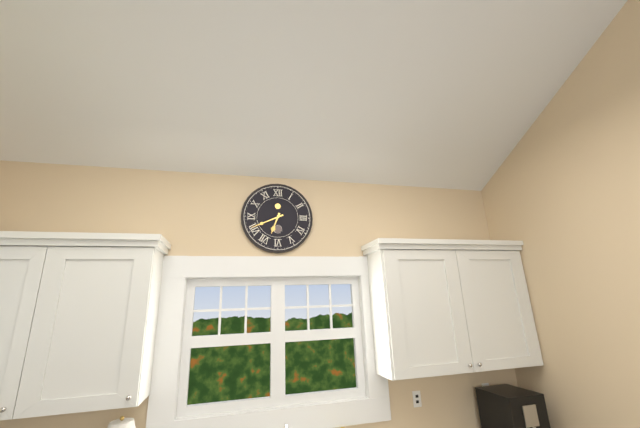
6:41
